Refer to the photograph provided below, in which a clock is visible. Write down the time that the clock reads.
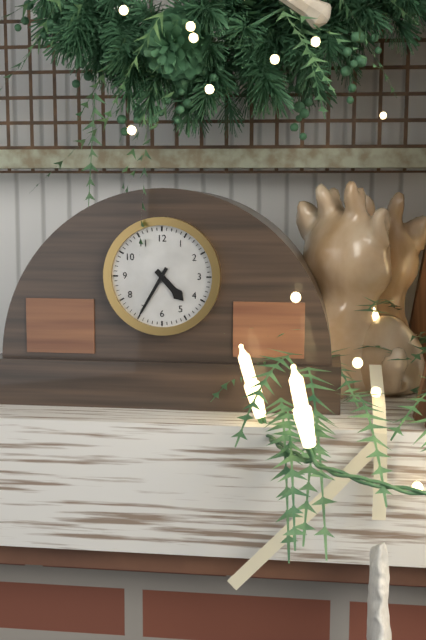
4:35
